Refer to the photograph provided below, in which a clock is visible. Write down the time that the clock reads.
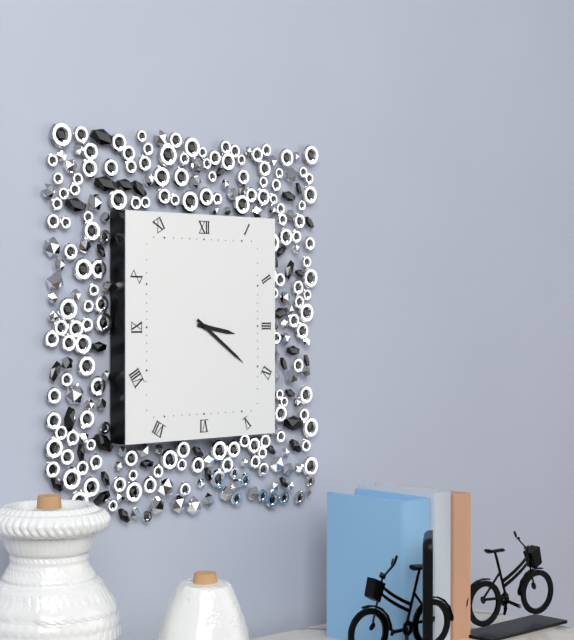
3:21
